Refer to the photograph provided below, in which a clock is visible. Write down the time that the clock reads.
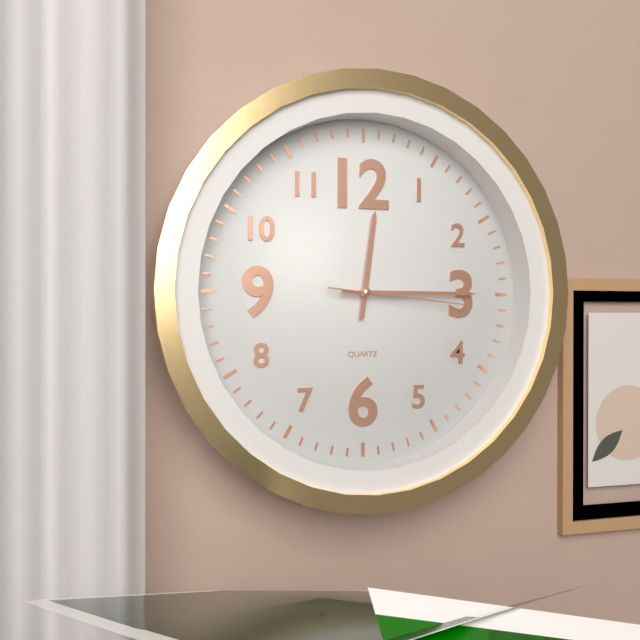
12:15:16
